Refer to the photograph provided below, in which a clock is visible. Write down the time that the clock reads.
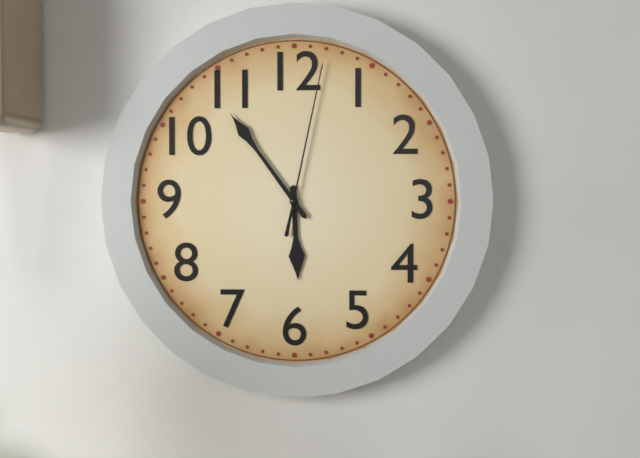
5:54:02
